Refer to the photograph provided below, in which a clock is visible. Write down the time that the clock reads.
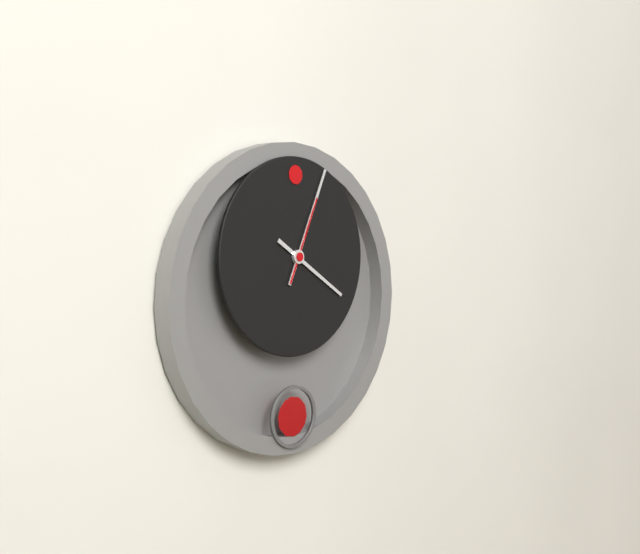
4:04:04
